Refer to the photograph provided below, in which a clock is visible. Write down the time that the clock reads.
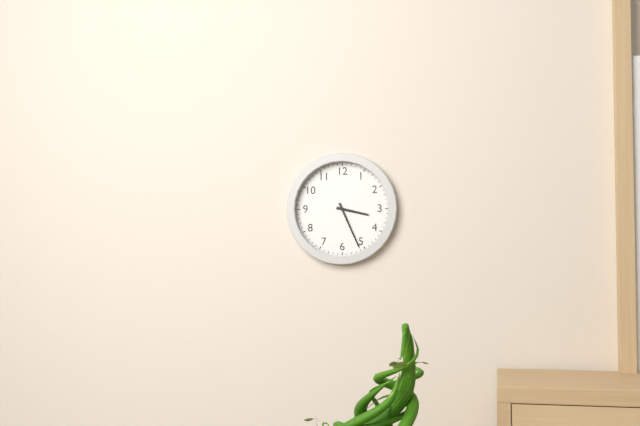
3:26
